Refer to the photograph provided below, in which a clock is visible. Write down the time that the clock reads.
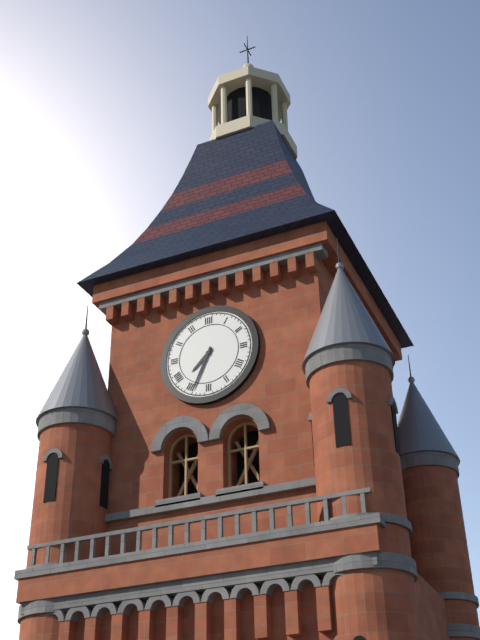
7:34
